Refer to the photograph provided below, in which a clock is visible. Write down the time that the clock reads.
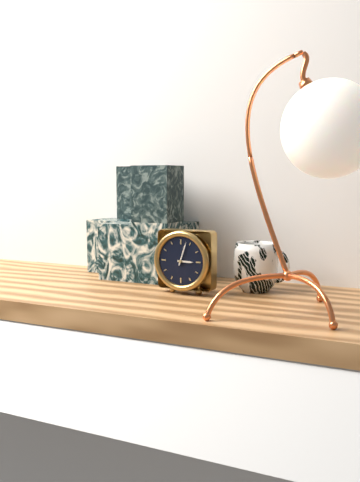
3:03
